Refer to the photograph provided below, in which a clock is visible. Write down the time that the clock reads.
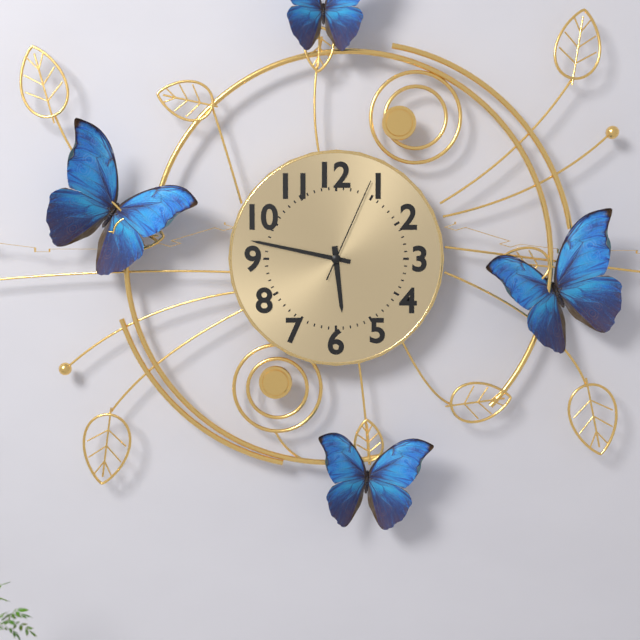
5:47:04
